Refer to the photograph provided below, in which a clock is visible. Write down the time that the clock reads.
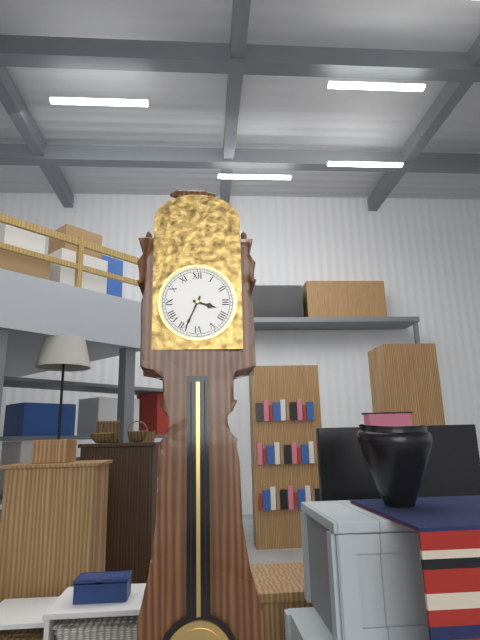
3:34
